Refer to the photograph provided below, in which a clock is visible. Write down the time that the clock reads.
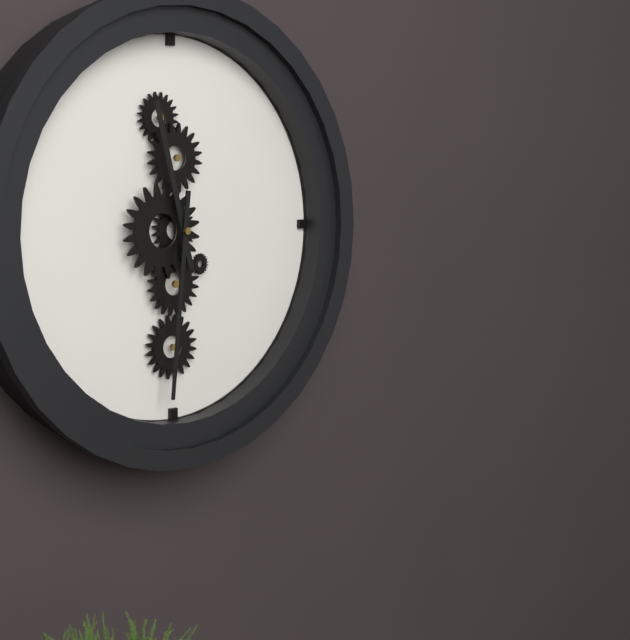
11:31
